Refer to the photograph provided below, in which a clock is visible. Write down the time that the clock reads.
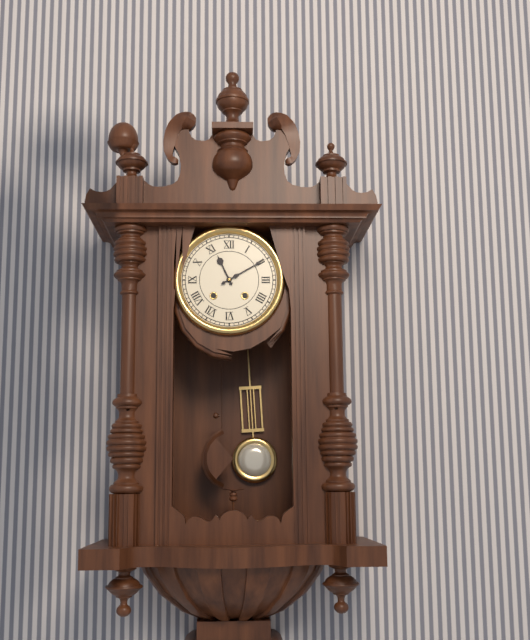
11:10
